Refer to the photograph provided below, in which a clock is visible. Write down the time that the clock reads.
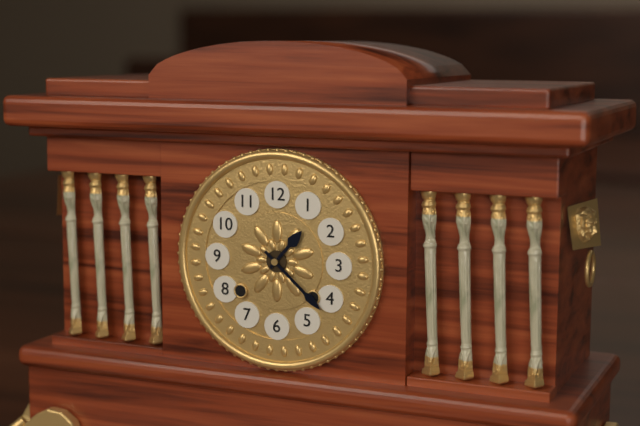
1:22
